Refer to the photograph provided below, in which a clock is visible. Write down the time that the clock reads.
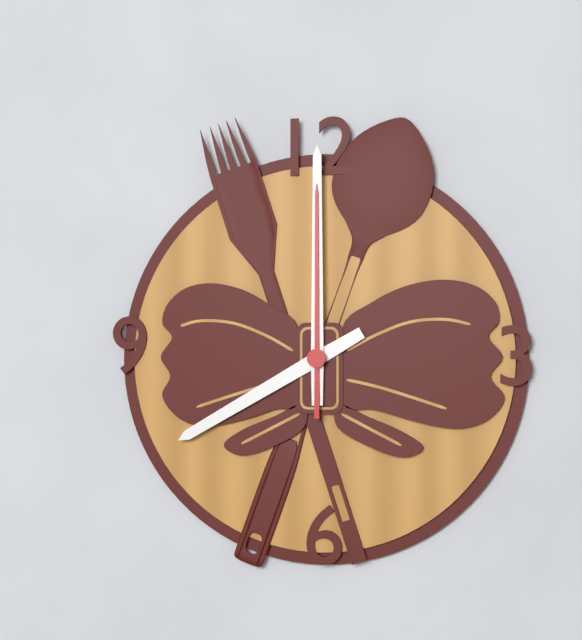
8:00:00
